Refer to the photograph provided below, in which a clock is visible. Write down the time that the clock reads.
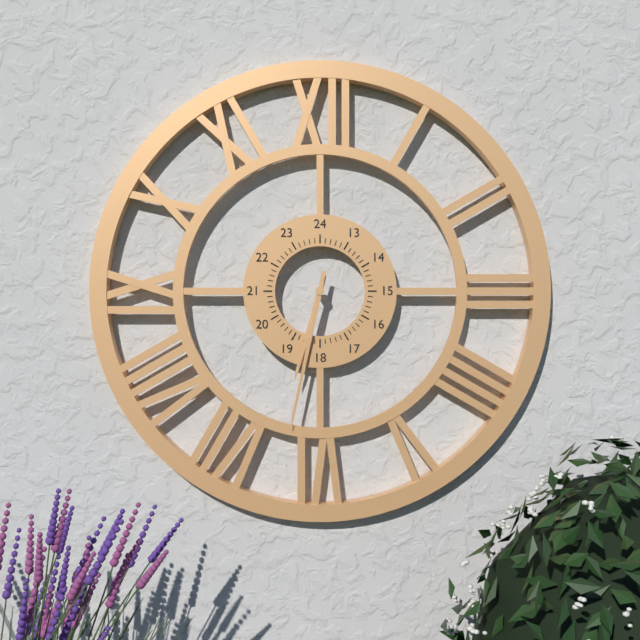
6:32
